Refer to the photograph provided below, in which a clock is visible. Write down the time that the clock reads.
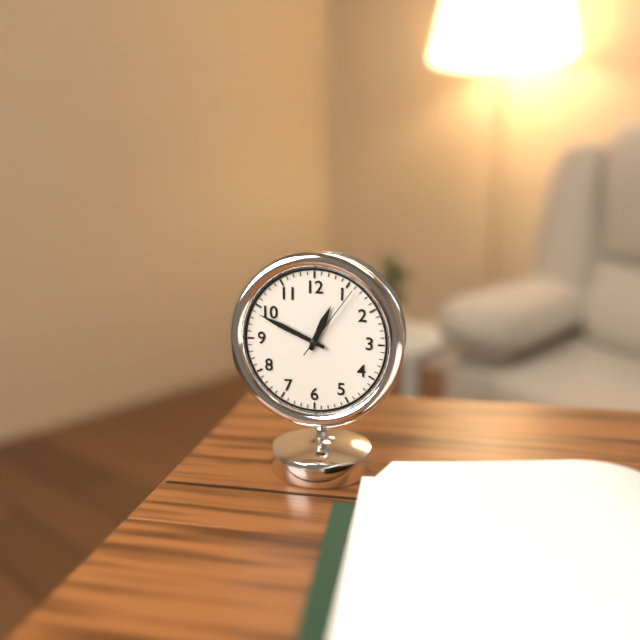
12:49:06
